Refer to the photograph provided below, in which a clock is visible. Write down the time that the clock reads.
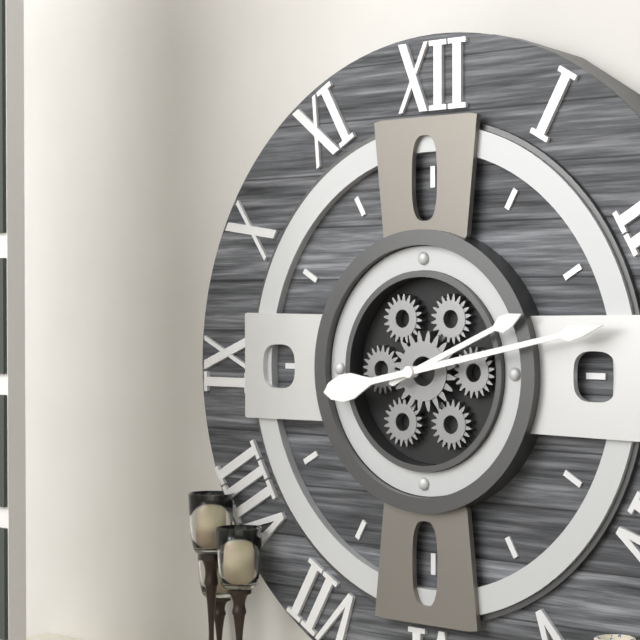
2:13
